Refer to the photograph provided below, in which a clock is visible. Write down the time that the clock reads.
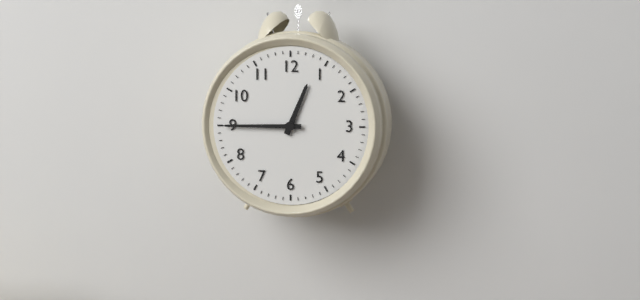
12:45
